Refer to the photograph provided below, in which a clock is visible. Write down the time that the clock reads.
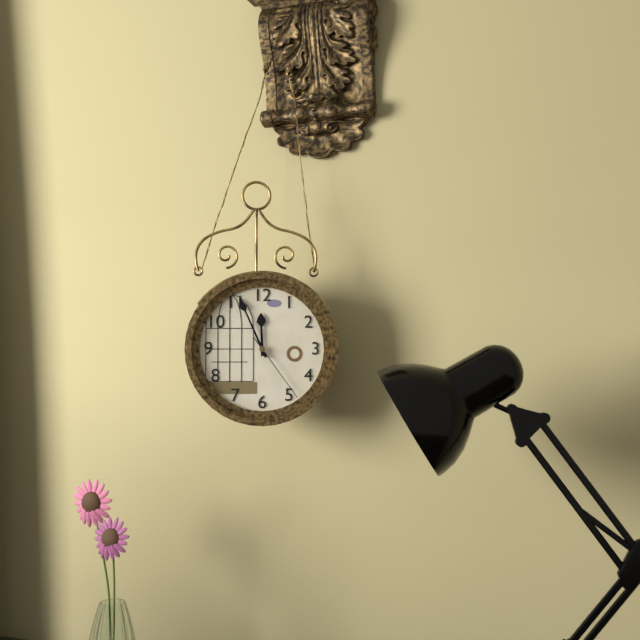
11:56:24
